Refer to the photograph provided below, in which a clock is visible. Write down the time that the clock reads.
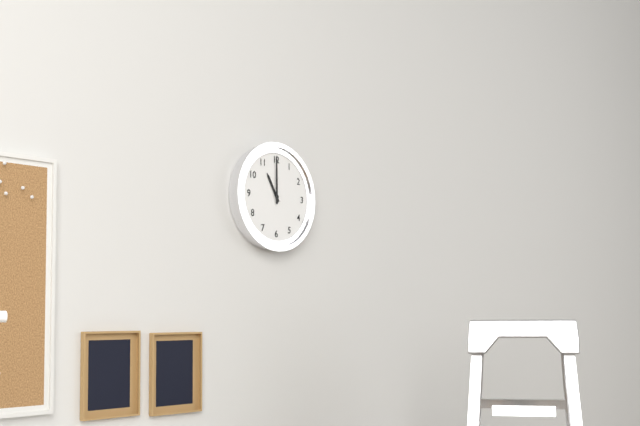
11:00
